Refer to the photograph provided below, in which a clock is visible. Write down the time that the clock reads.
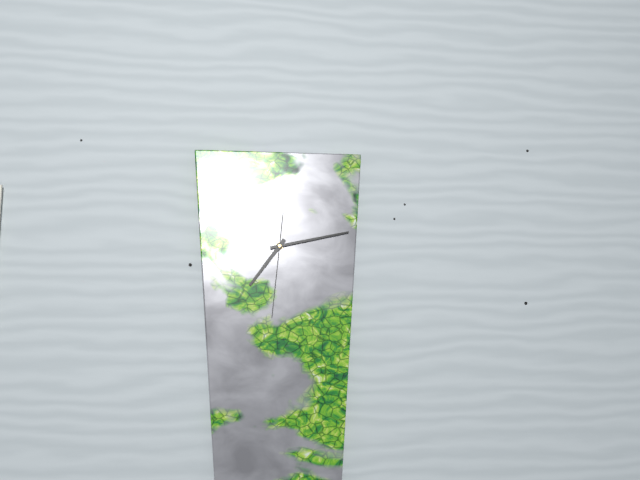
7:13:31
